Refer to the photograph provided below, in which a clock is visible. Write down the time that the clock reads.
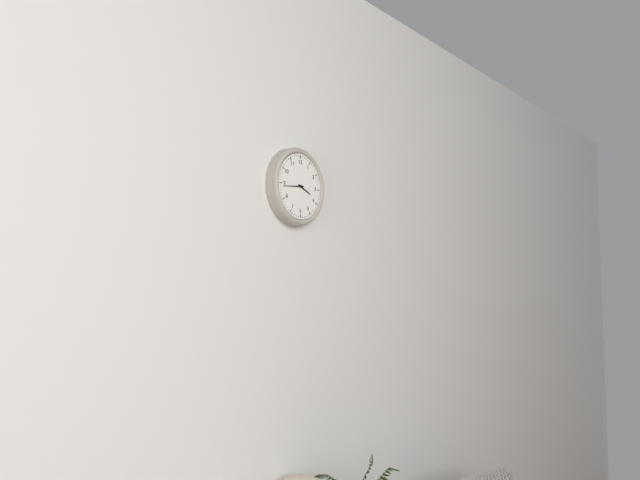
3:44
